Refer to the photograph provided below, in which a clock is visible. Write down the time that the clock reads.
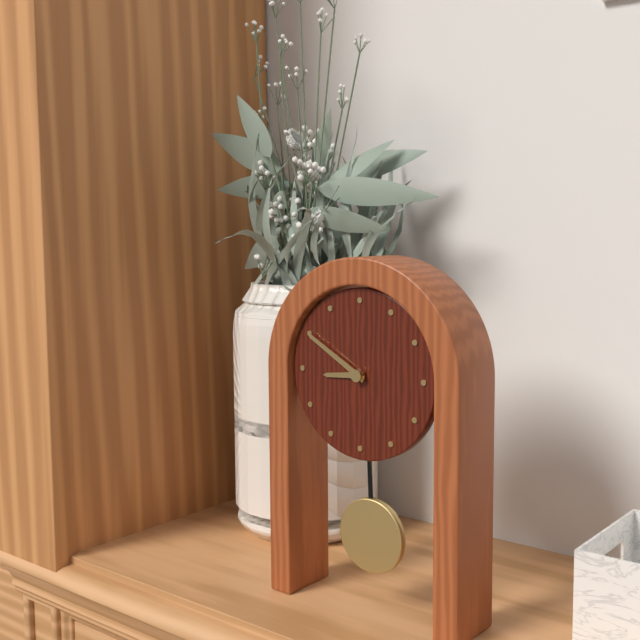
8:50
